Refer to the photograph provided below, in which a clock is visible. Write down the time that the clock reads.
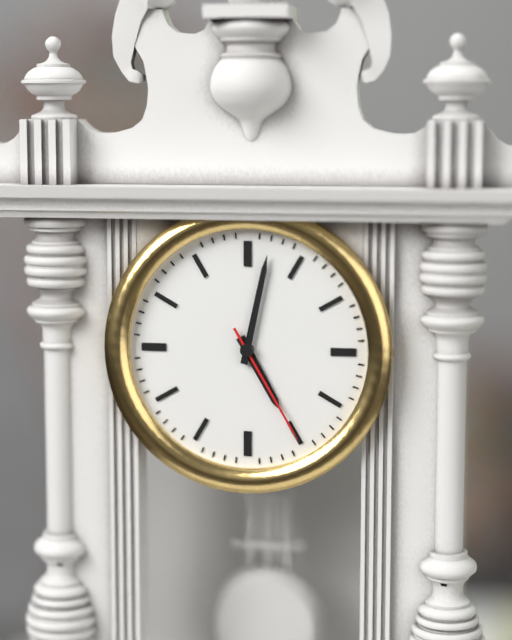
5:02:25
